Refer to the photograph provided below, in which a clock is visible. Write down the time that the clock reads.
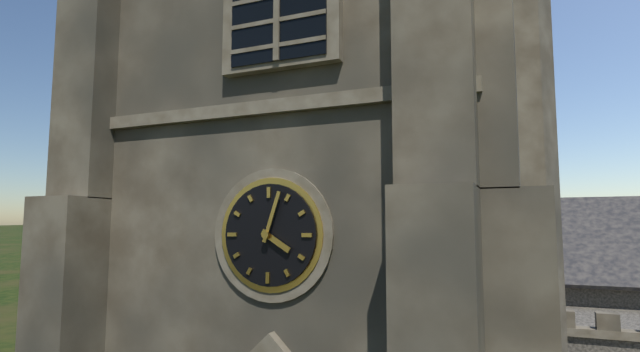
4:03
